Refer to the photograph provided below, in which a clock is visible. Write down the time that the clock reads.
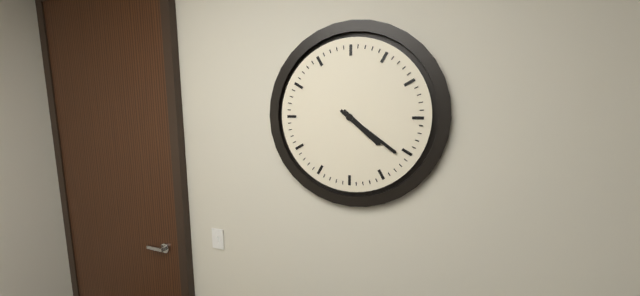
4:21
